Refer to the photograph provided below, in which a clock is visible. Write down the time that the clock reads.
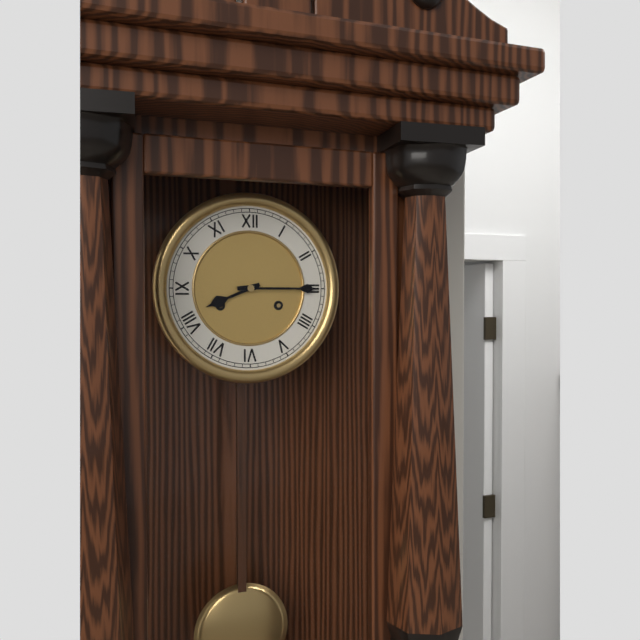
8:15
